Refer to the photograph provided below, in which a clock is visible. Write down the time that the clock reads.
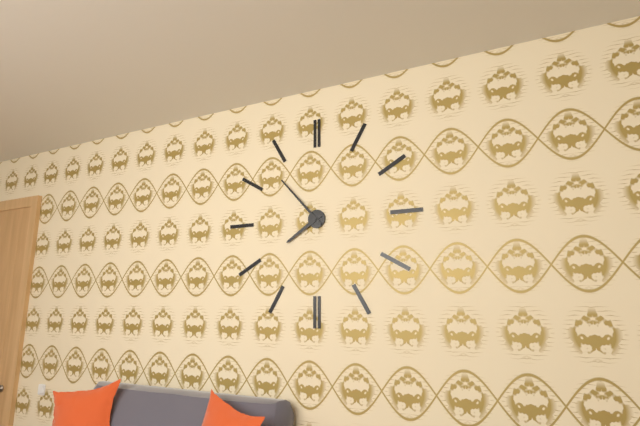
7:53
